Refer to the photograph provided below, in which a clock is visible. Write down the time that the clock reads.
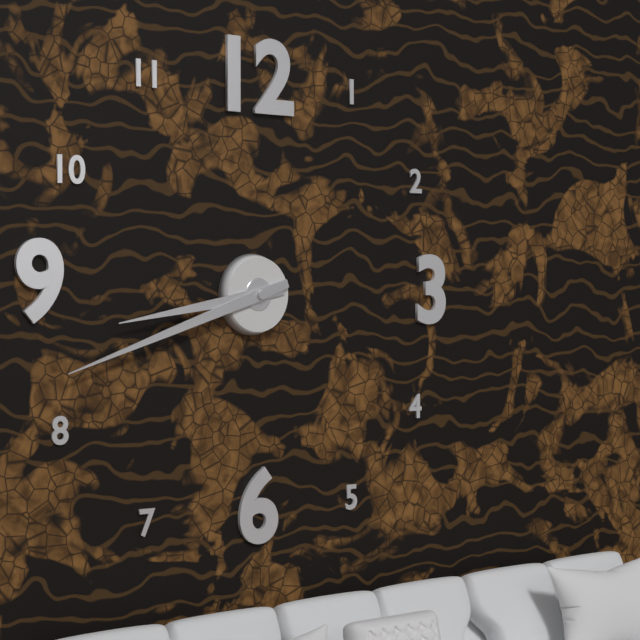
8:42
